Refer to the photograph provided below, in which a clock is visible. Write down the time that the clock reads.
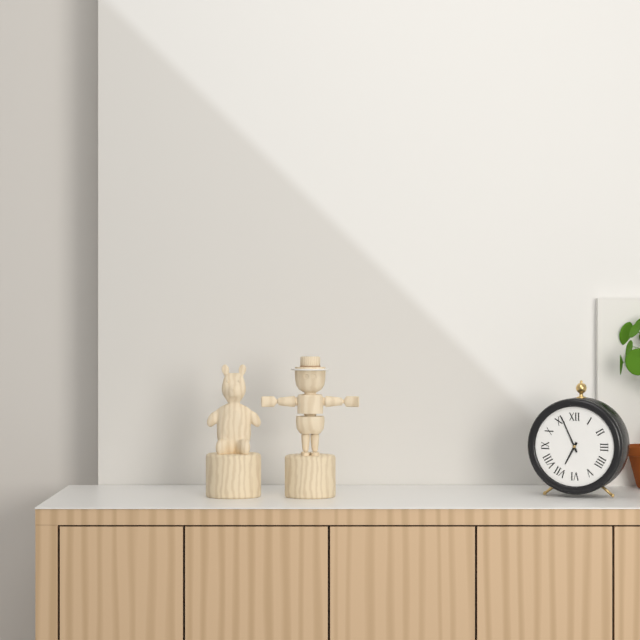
6:56
